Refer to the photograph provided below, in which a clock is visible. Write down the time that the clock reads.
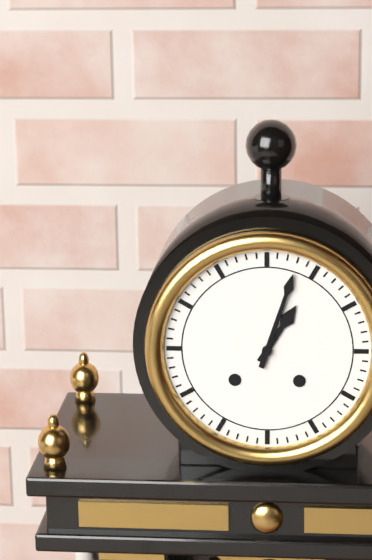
1:03
